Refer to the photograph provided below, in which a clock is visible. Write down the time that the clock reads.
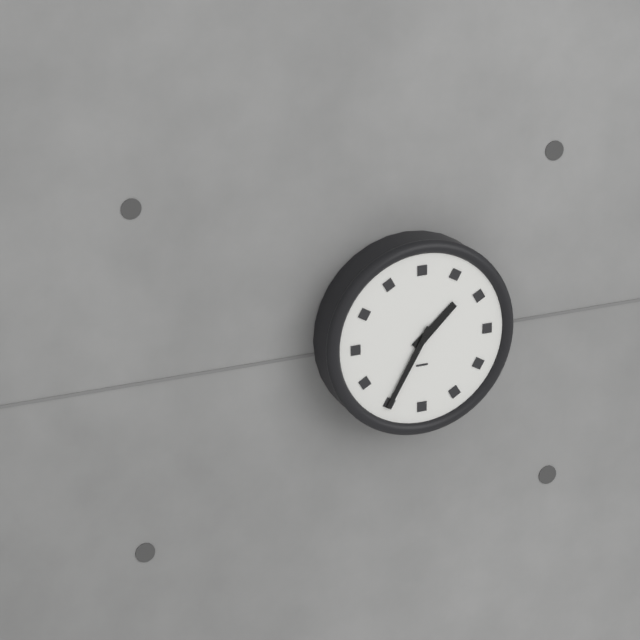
1:35
